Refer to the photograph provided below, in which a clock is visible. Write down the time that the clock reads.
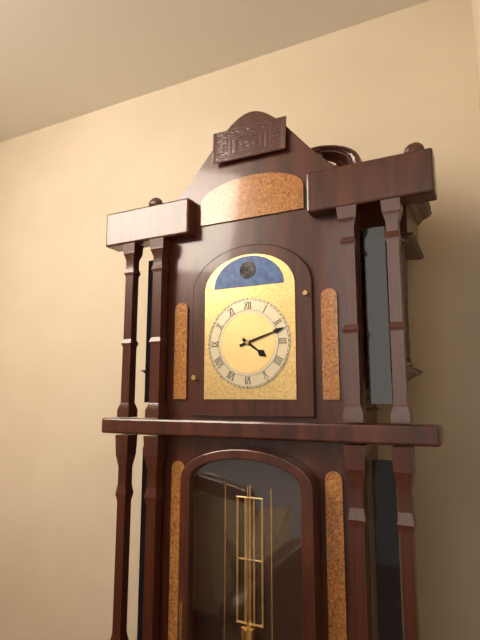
4:12
